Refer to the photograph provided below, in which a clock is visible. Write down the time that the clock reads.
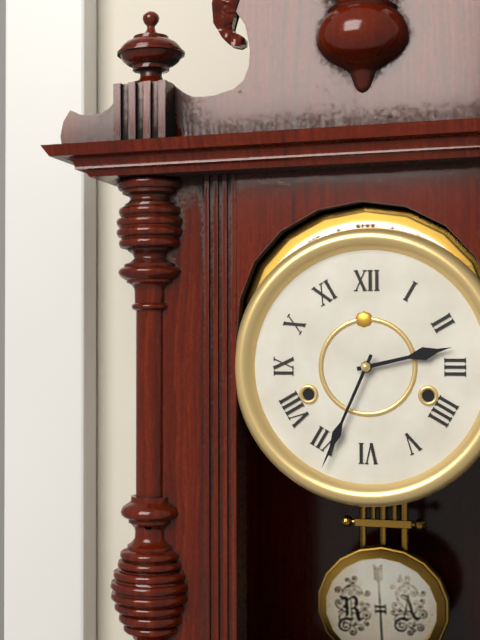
2:34
